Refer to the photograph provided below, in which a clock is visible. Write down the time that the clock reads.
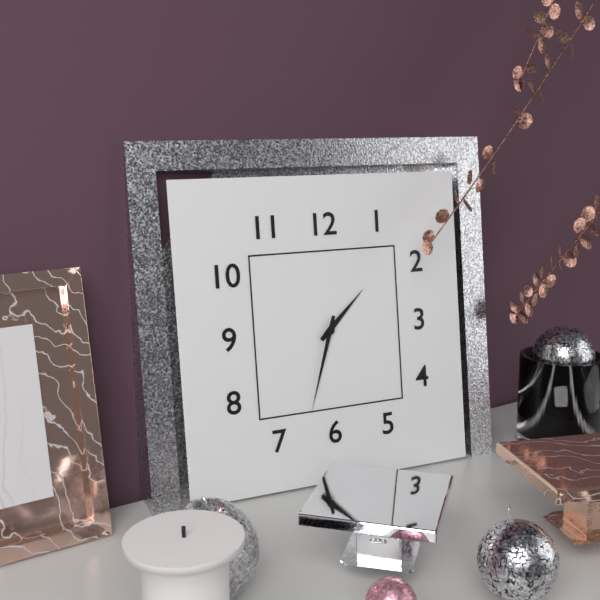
1:33
